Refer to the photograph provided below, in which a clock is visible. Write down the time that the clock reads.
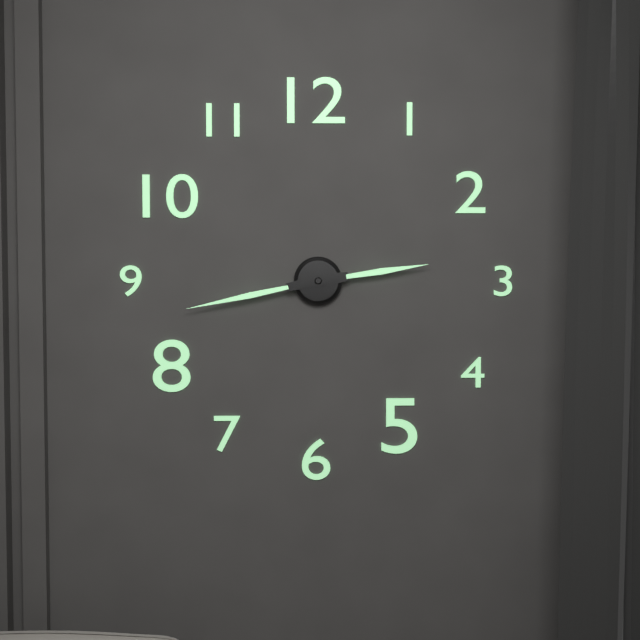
2:43
